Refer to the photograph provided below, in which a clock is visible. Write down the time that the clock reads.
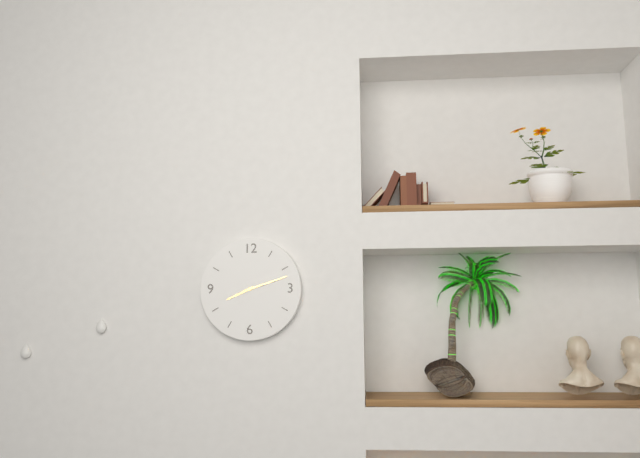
8:12
